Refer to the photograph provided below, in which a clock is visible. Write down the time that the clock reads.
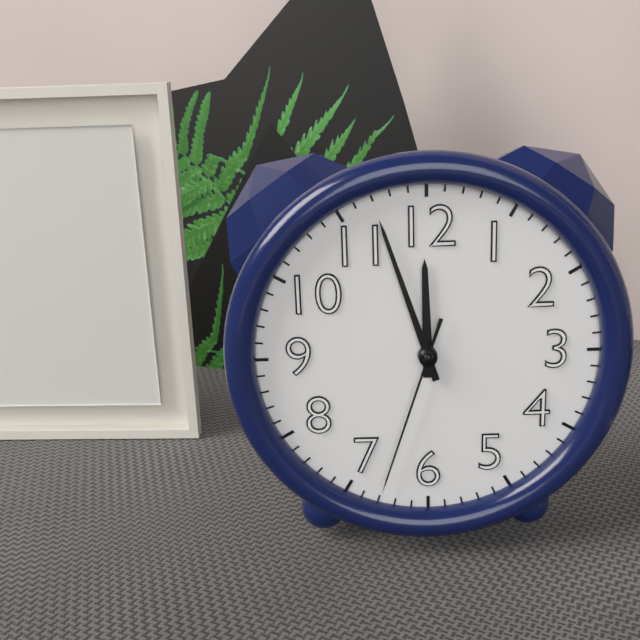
11:57:33
